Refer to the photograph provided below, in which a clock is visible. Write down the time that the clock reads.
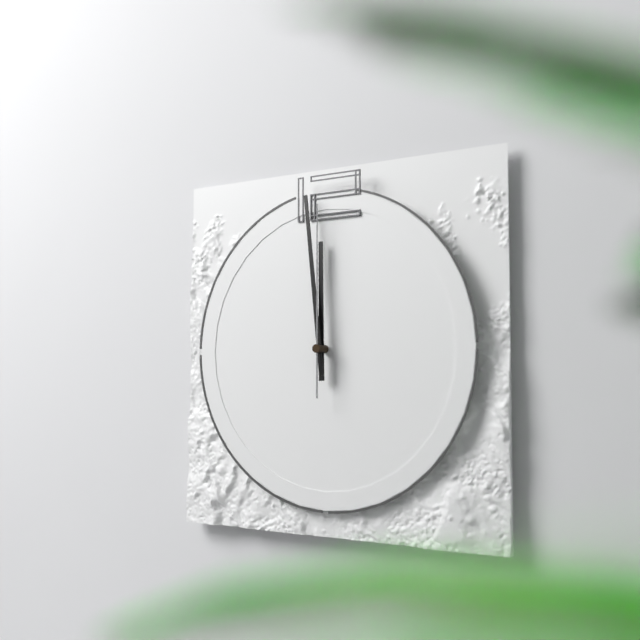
11:59:00
